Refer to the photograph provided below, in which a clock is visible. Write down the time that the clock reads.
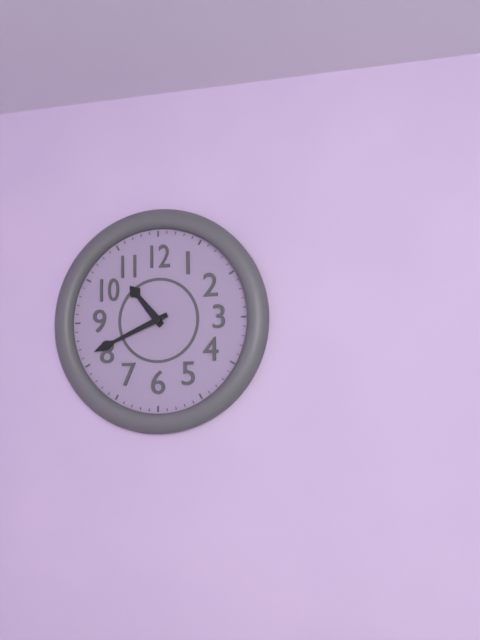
10:41
